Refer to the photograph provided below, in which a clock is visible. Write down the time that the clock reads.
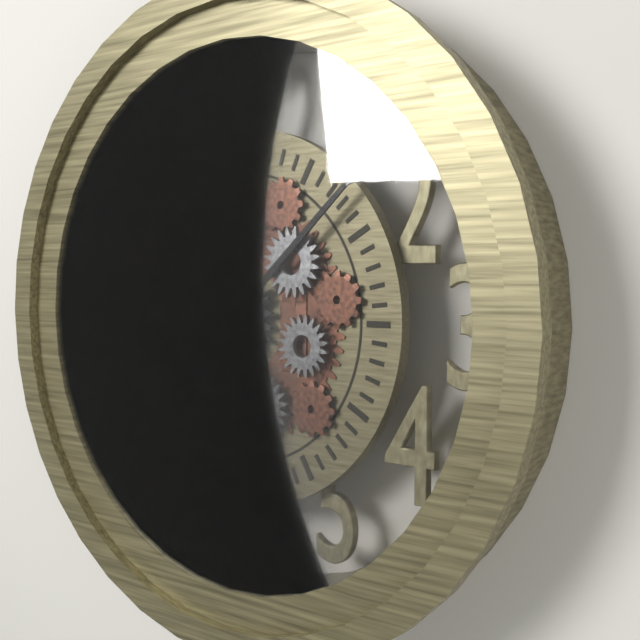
10:08
